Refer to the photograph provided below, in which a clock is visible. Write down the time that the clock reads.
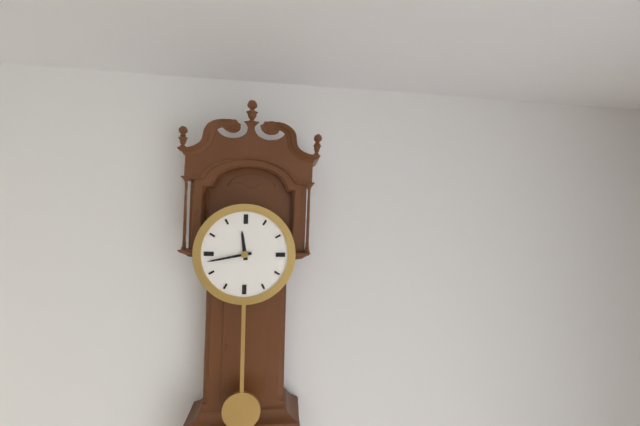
11:43
